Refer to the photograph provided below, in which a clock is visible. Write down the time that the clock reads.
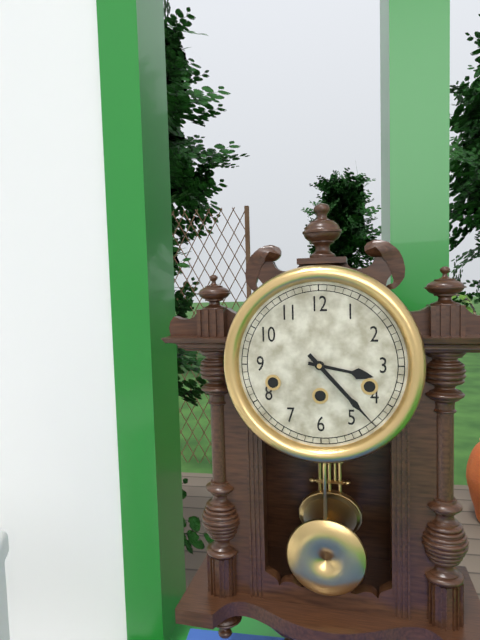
3:23
